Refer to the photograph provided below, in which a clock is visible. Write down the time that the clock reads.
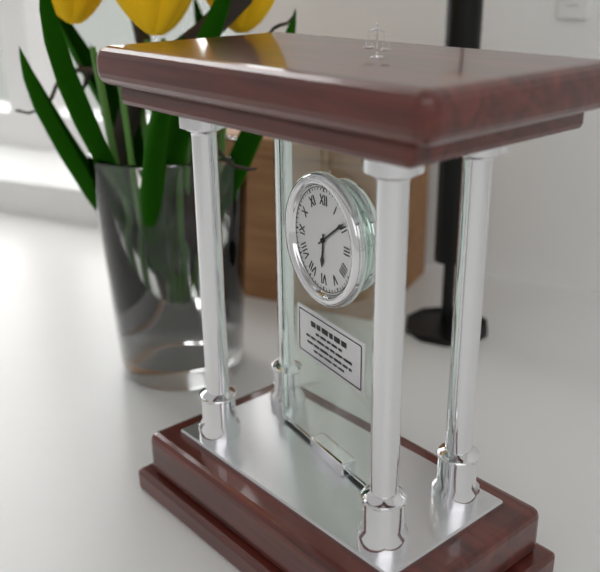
6:09
